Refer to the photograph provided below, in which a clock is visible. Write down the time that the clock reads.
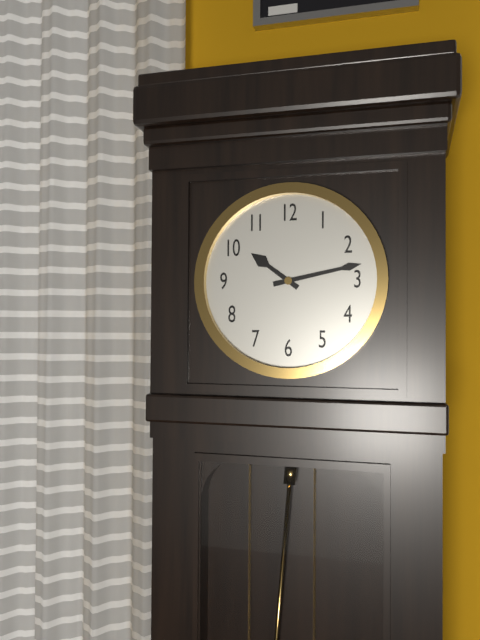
10:13
